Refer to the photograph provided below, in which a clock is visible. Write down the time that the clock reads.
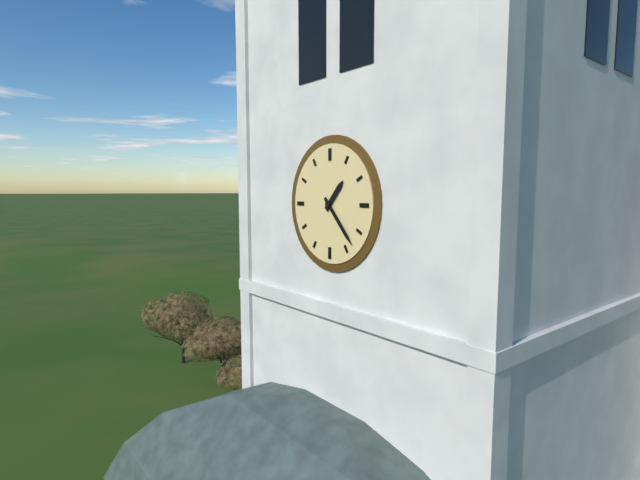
1:23
